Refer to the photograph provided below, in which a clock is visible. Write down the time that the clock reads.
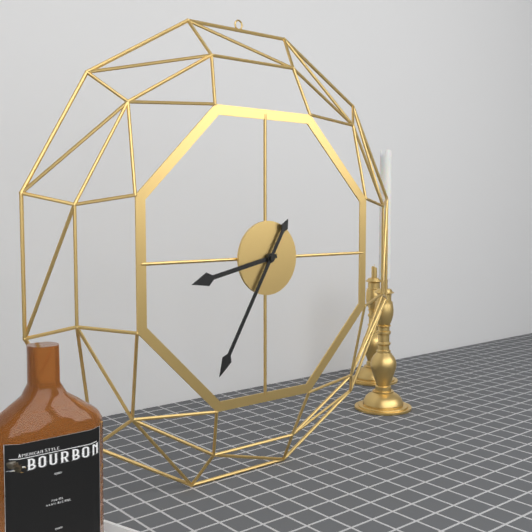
8:35
